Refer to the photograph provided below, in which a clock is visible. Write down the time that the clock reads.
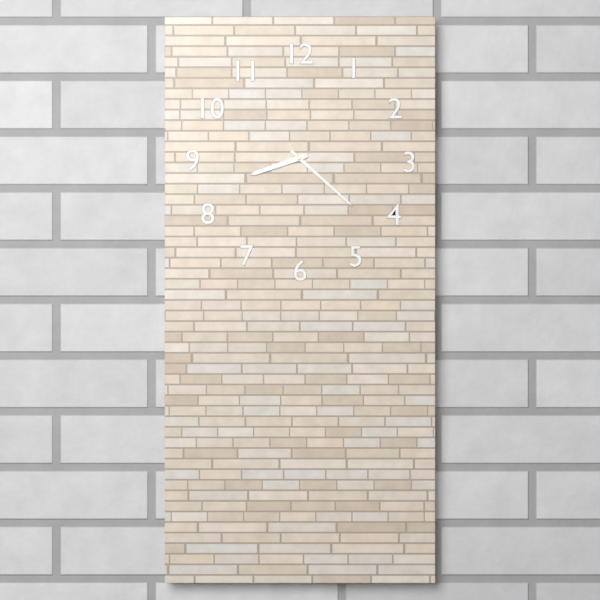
8:22
